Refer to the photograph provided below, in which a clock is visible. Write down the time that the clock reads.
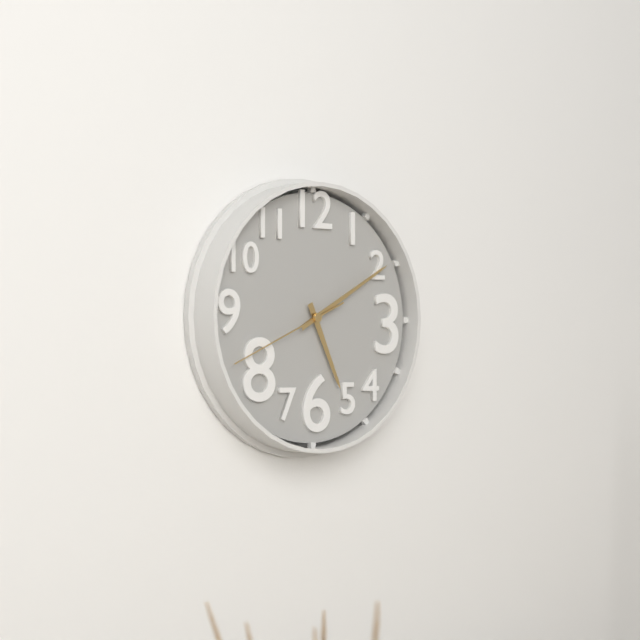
5:10:41
